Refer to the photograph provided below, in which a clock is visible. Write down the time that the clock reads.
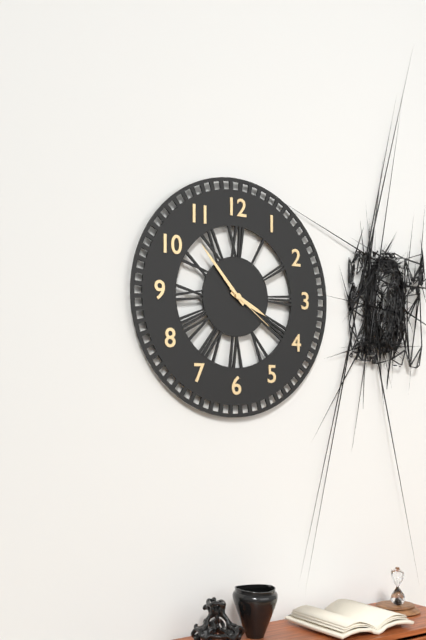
3:53:21
